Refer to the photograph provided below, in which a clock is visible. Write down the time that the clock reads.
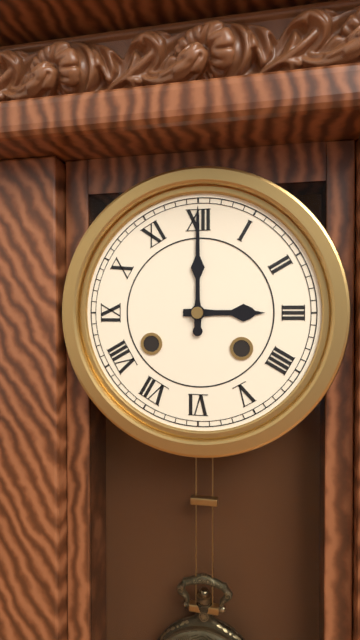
3:00
